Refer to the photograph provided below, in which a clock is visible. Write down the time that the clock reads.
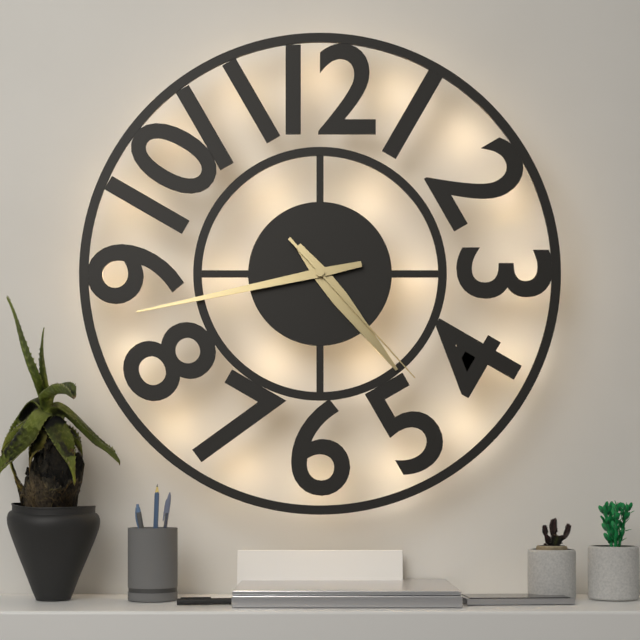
4:43:23
